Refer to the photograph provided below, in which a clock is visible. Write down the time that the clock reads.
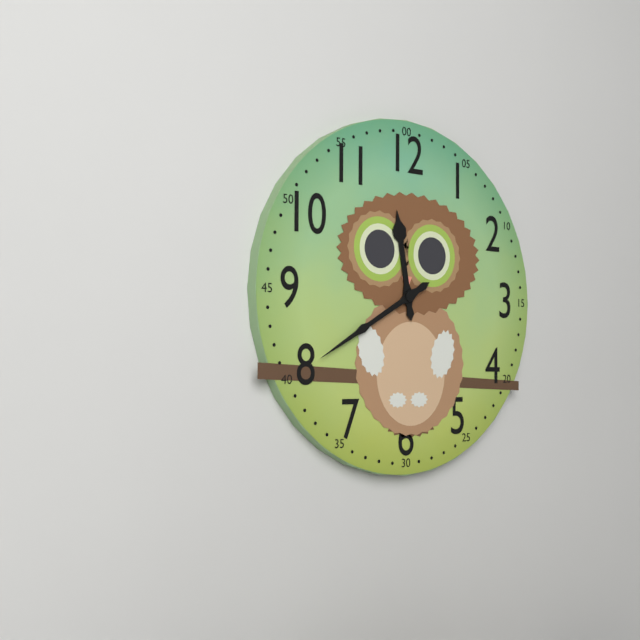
11:40
